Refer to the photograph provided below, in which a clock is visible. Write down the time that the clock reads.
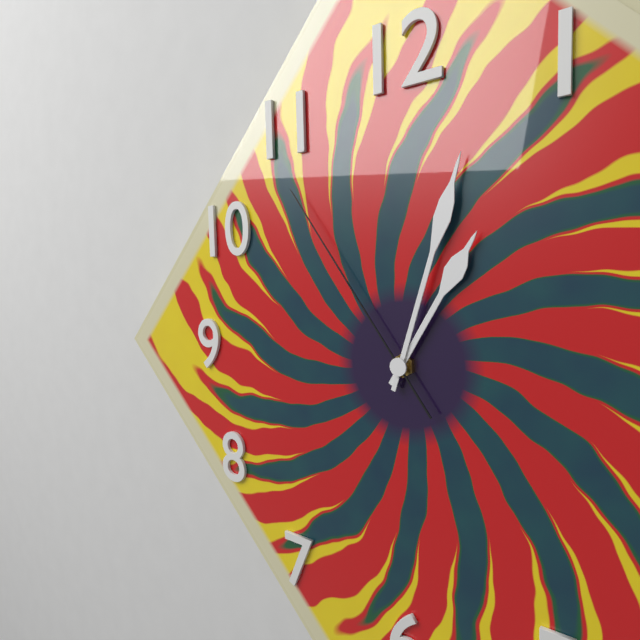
1:03:54
